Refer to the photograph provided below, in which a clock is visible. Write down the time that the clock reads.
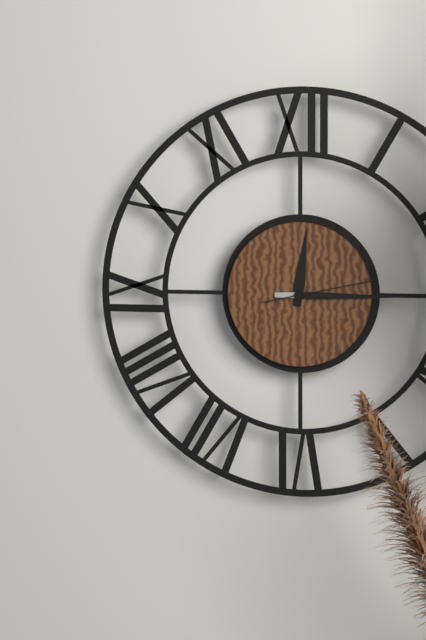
12:15:13
